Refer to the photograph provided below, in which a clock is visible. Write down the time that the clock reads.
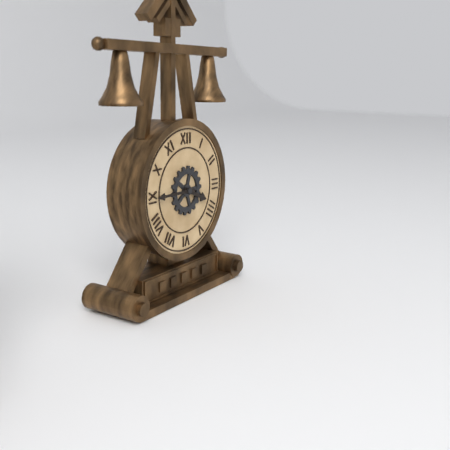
3:45
